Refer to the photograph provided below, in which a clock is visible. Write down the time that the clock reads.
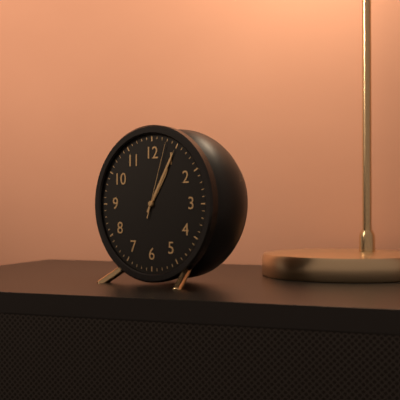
1:05:03
